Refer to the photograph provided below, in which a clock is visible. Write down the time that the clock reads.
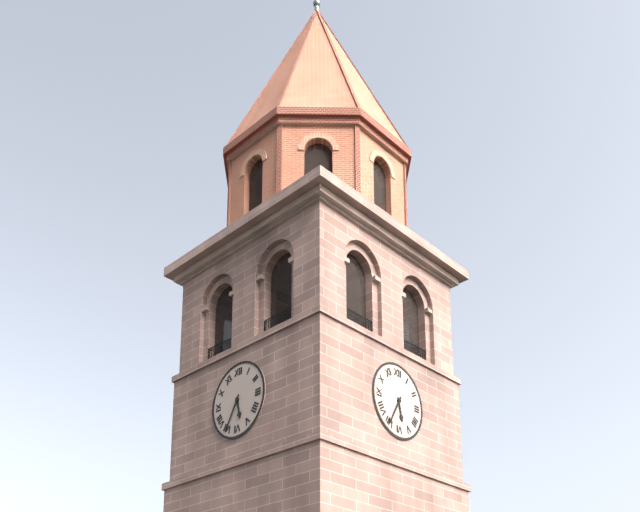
5:35
